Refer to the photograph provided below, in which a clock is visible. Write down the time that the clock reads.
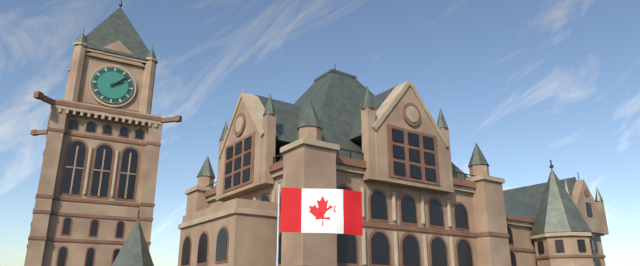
2:08
